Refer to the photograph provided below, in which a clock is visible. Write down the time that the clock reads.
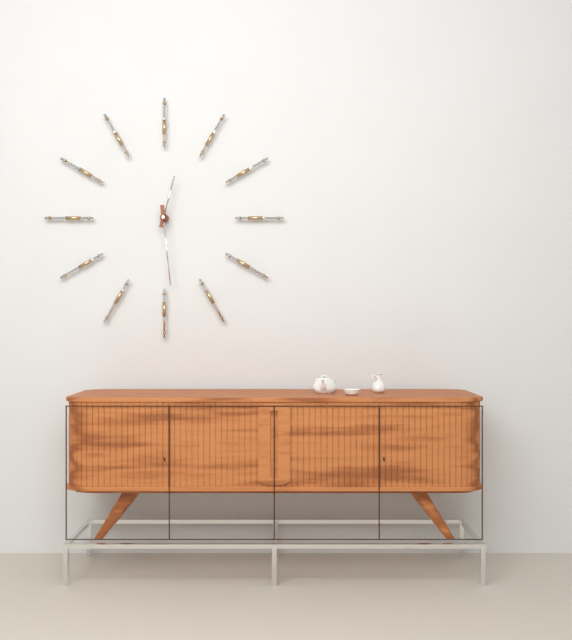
12:29
